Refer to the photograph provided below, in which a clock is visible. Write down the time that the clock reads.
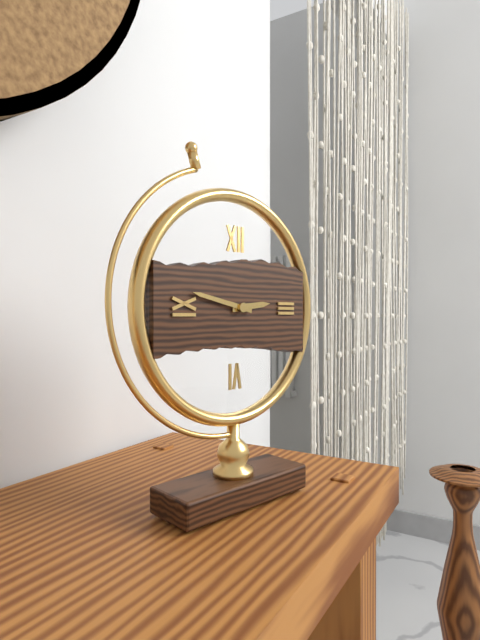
2:47
